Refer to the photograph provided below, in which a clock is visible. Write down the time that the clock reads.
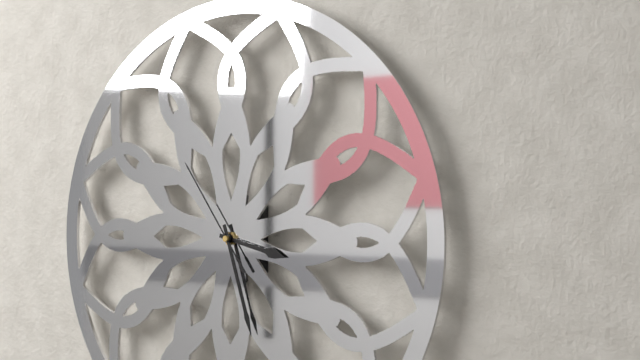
3:27:54
